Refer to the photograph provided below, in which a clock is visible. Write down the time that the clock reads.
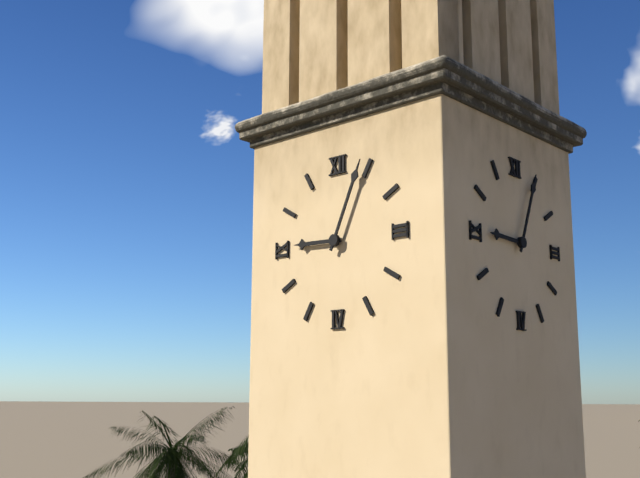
9:04
